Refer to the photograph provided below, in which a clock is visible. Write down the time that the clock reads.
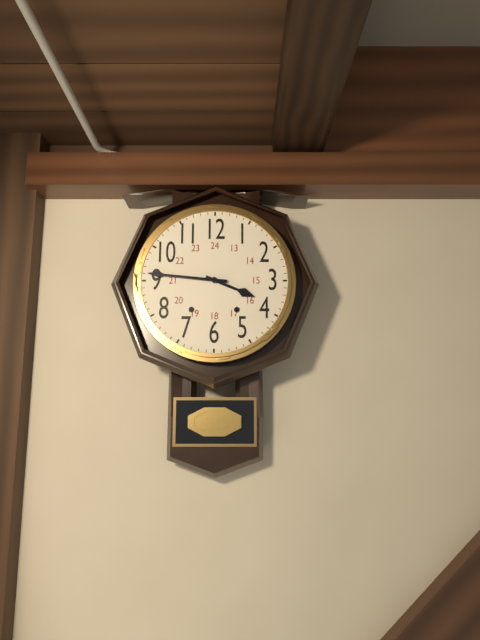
3:46
